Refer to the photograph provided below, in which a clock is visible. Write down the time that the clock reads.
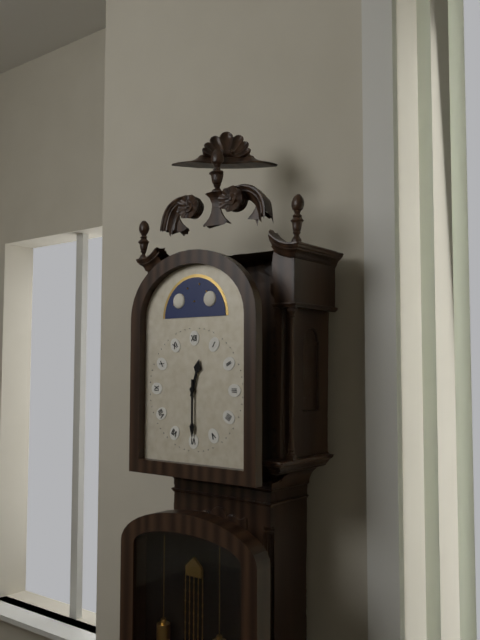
12:30
